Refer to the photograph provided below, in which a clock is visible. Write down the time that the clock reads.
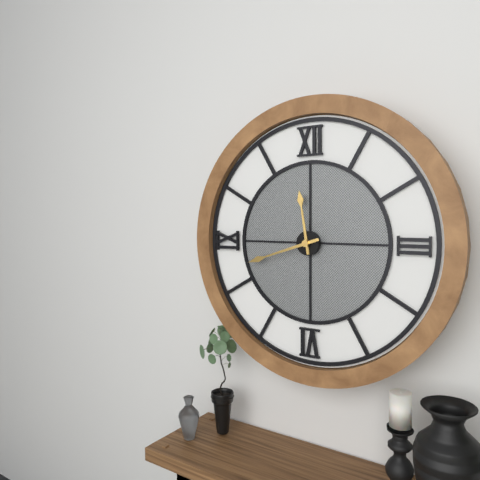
11:42
